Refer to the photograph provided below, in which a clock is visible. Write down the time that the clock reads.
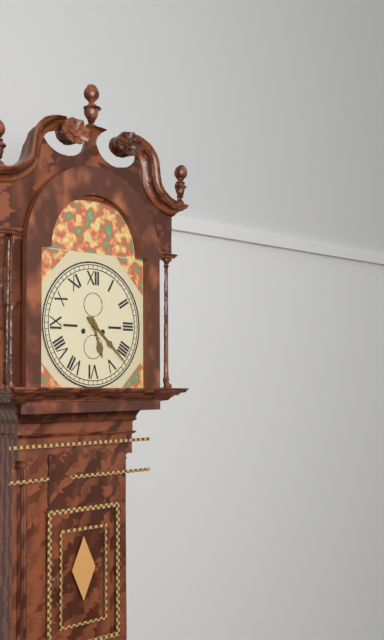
5:22
